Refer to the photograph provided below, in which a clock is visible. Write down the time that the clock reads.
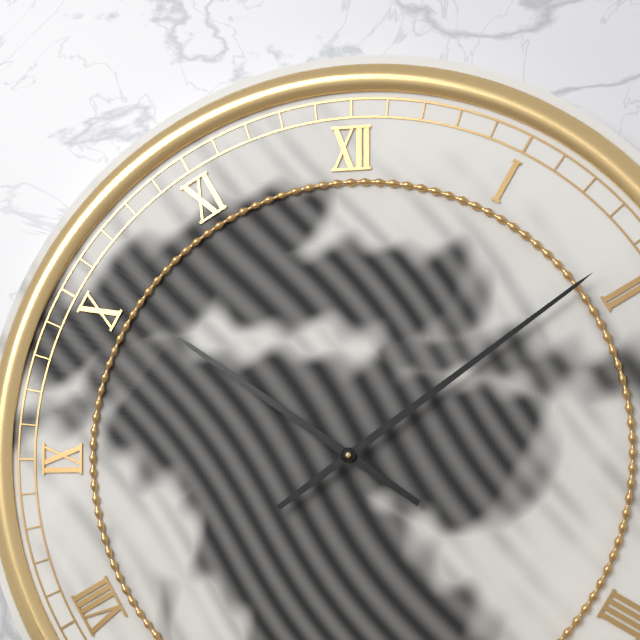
10:09
